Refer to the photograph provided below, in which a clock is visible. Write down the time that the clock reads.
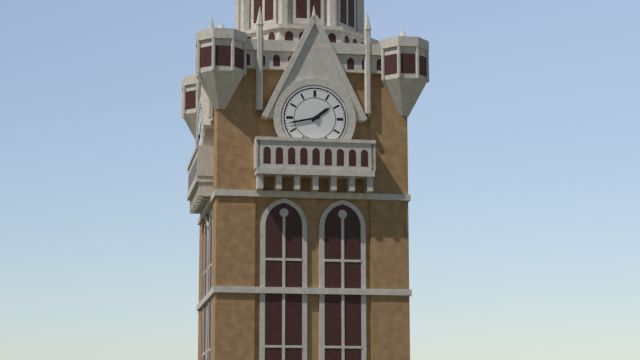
1:43
